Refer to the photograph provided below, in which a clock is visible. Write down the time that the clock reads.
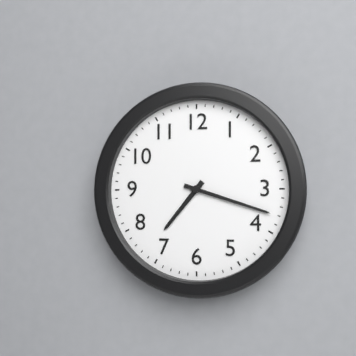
7:18
